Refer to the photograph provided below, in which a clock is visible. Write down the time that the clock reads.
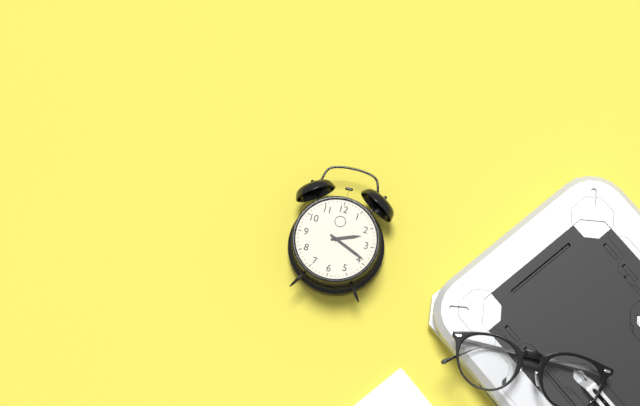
2:19
